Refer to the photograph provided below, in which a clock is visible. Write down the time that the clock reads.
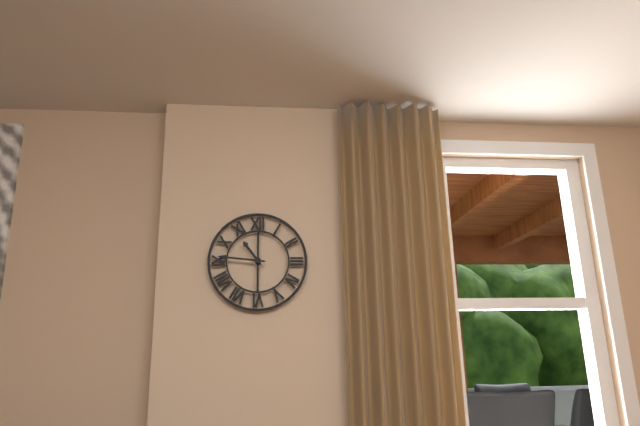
10:46
